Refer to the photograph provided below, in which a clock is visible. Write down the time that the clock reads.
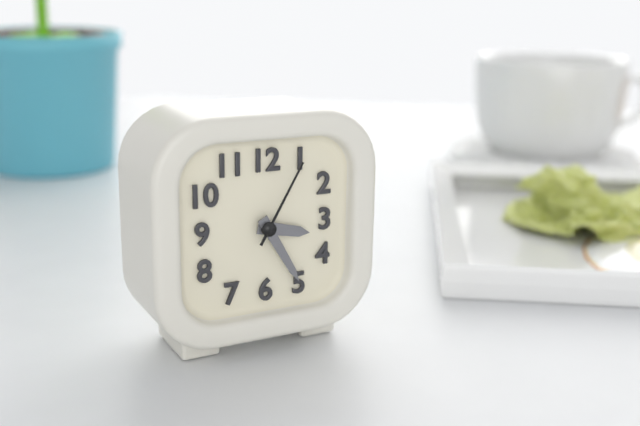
3:25:05
